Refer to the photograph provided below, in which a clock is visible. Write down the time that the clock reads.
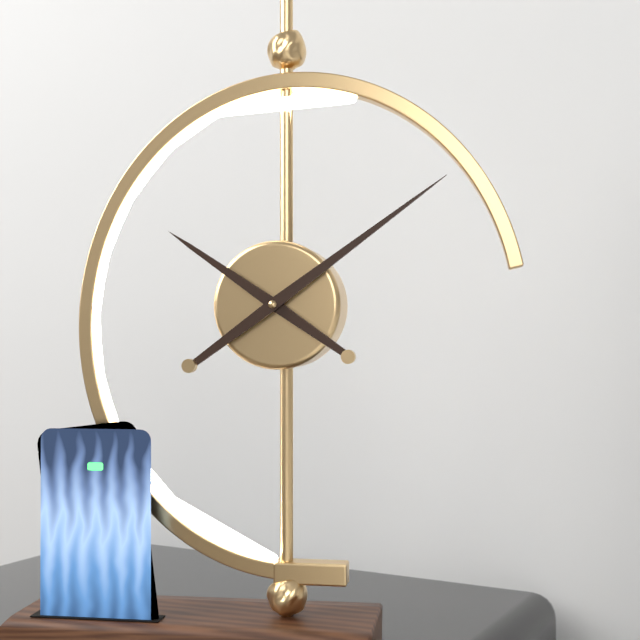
10:09
